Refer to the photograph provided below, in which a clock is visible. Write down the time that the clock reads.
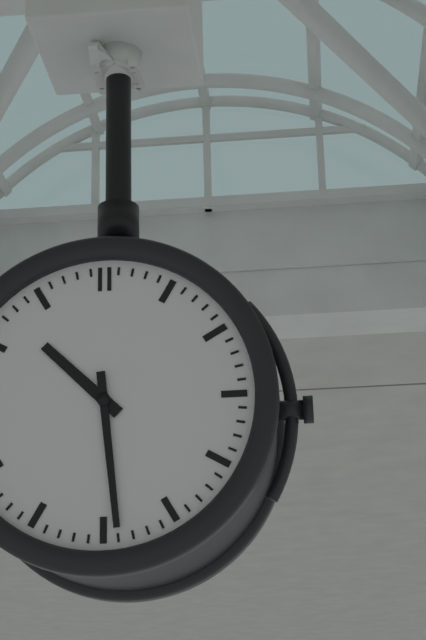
10:29
